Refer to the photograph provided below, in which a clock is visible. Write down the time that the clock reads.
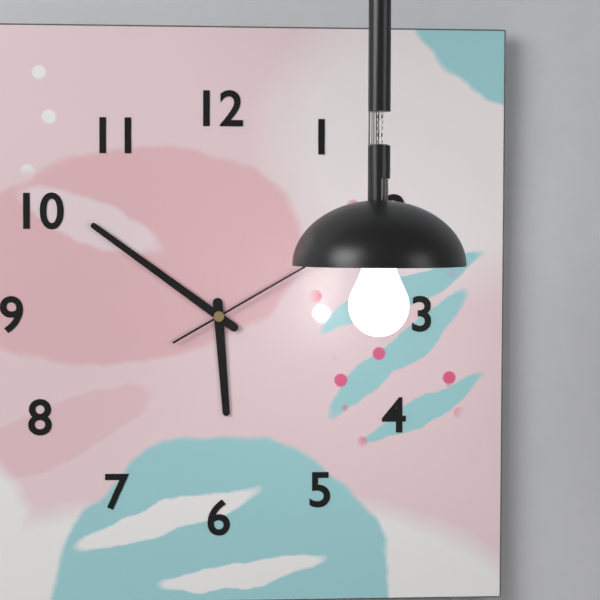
5:51
